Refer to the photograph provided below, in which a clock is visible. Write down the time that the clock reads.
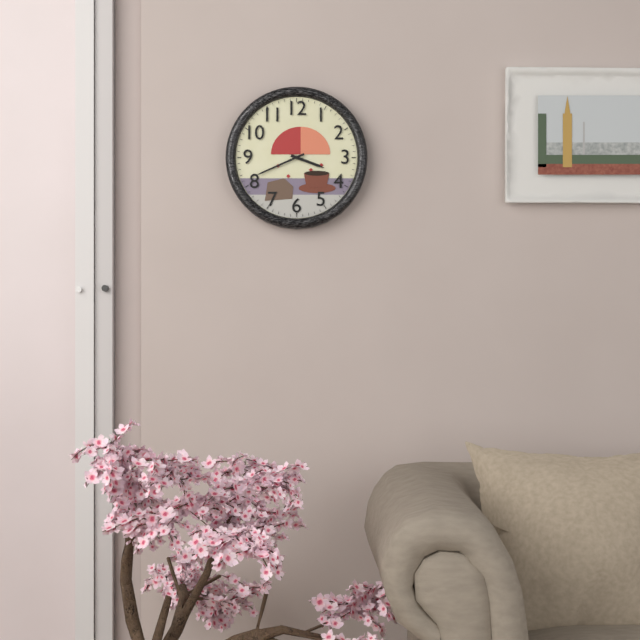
3:41
